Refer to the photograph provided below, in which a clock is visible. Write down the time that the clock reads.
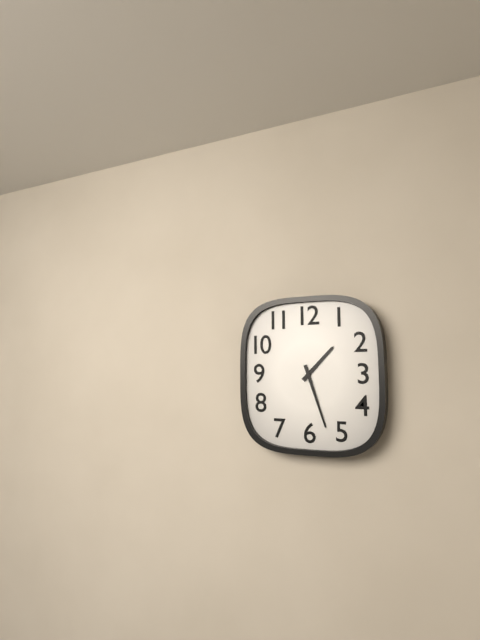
1:27
